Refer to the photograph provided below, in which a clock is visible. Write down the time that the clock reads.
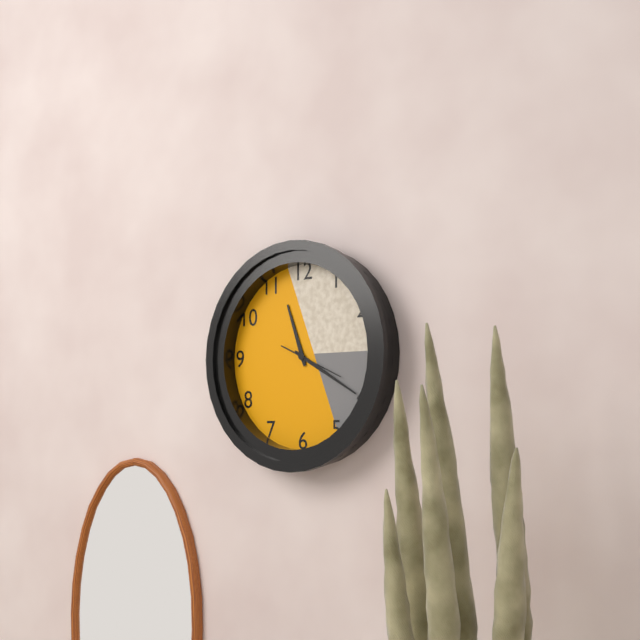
11:20:19
